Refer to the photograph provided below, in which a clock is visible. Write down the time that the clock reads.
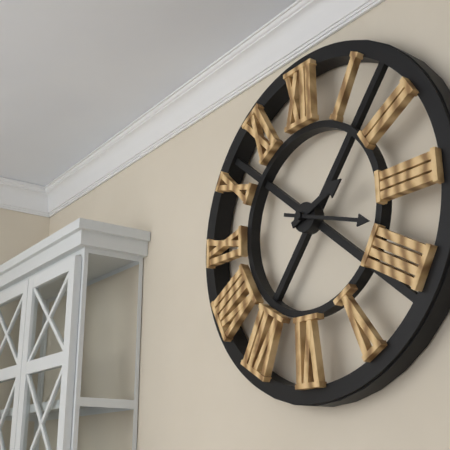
2:18
